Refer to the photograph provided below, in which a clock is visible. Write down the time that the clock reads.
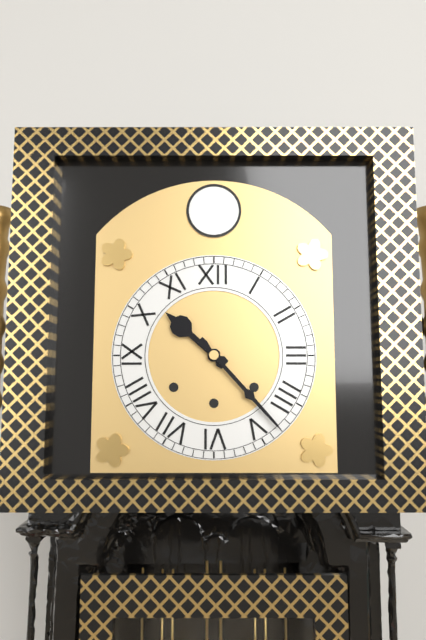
10:23
